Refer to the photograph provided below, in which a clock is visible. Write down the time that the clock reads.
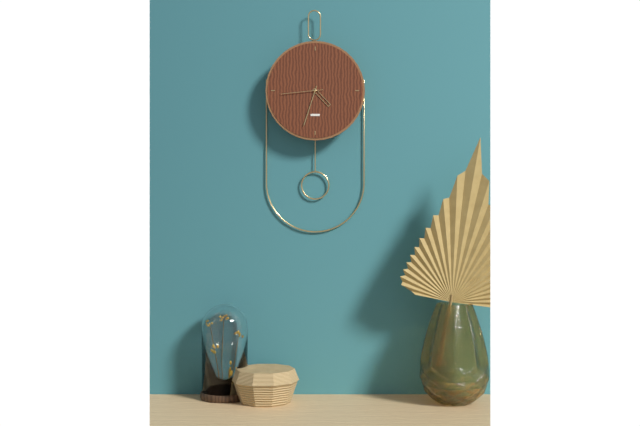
4:33
